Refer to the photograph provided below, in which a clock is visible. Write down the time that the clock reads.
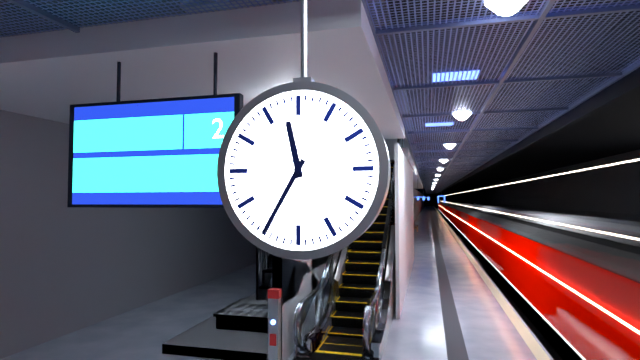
11:35
